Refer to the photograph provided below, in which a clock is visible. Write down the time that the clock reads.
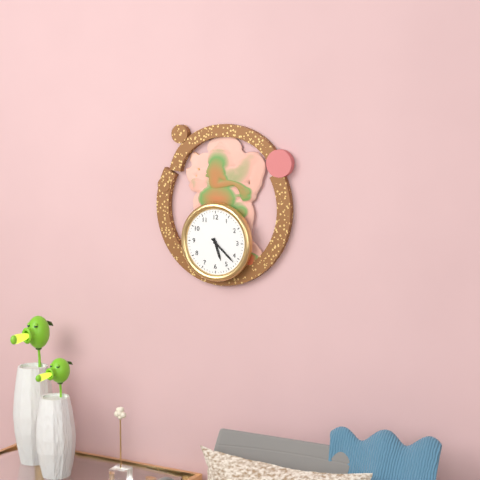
5:22
